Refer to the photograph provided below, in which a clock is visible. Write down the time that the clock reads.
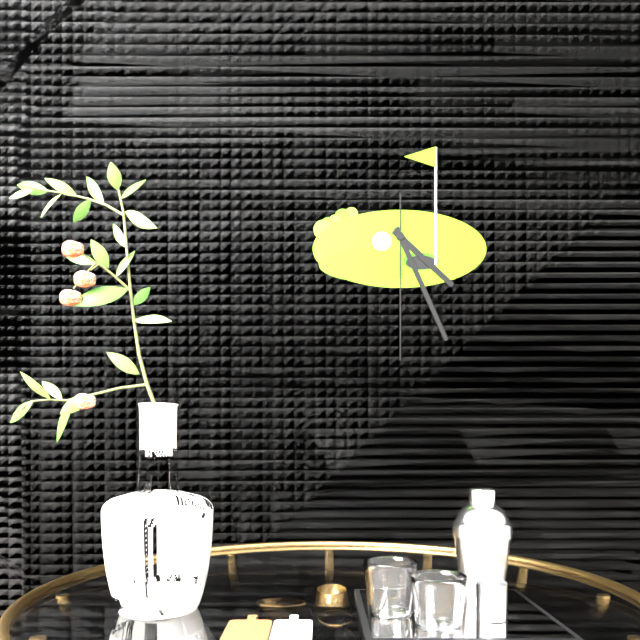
4:26:30
